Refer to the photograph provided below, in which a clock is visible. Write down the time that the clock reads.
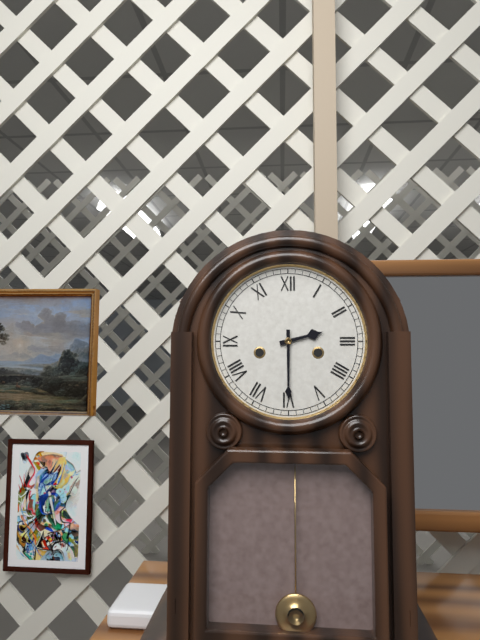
2:30
